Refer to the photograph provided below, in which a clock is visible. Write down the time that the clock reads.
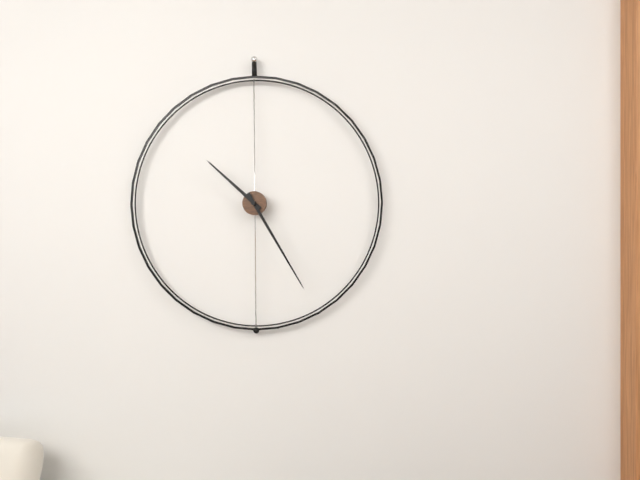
10:25
